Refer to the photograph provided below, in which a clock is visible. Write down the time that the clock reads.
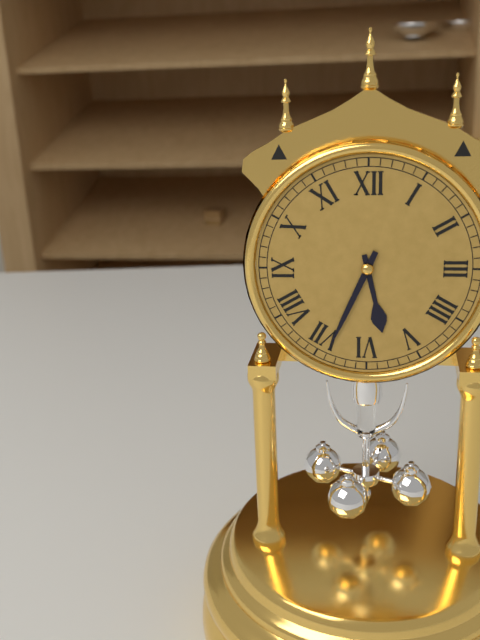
5:34
